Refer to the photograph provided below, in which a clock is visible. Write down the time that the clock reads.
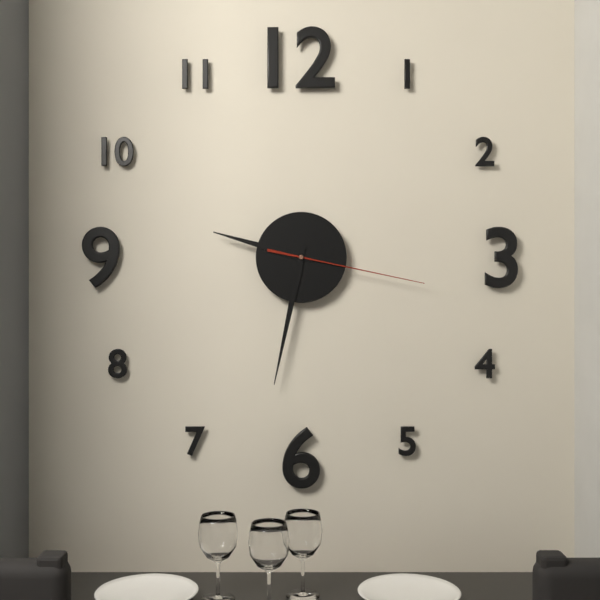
9:32:17
